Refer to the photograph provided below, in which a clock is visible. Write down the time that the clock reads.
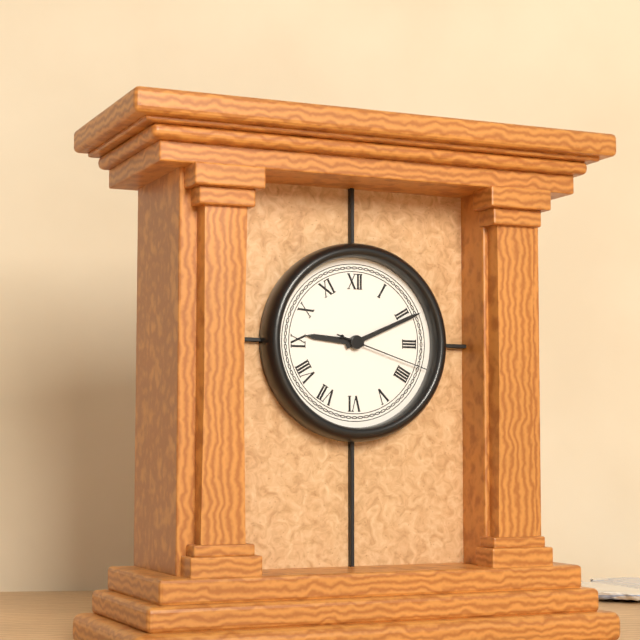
9:11:18
